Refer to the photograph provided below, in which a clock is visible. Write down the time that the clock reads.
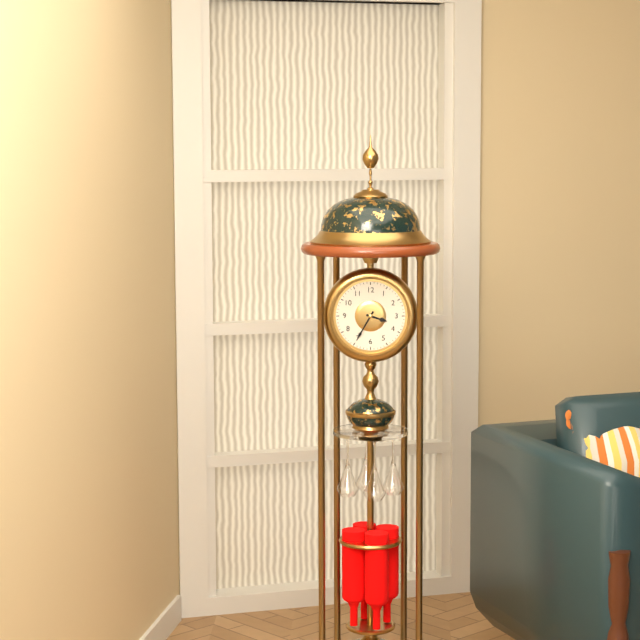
3:35
